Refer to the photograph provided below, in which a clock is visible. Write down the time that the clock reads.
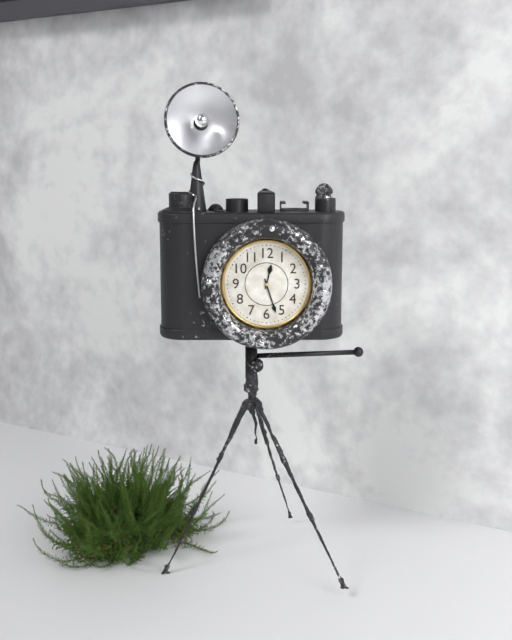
12:27
